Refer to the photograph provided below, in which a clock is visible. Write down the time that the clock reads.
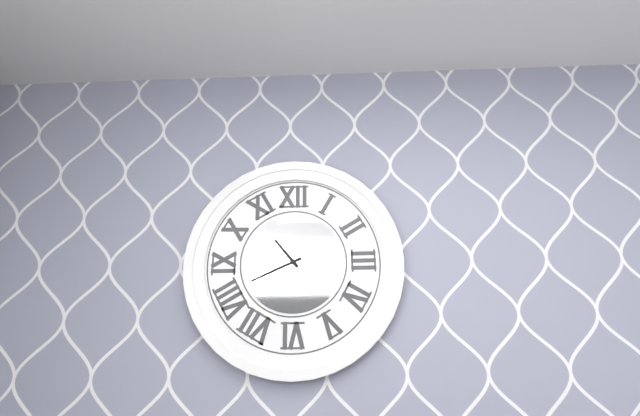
10:41
